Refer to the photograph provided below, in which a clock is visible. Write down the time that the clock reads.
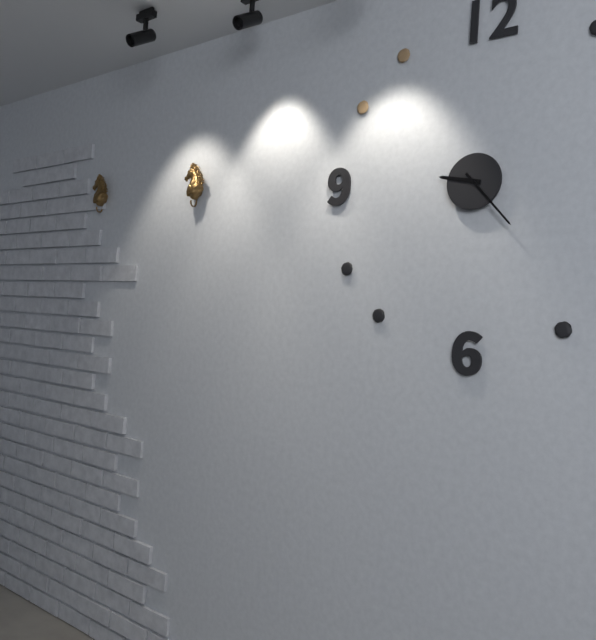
9:23
